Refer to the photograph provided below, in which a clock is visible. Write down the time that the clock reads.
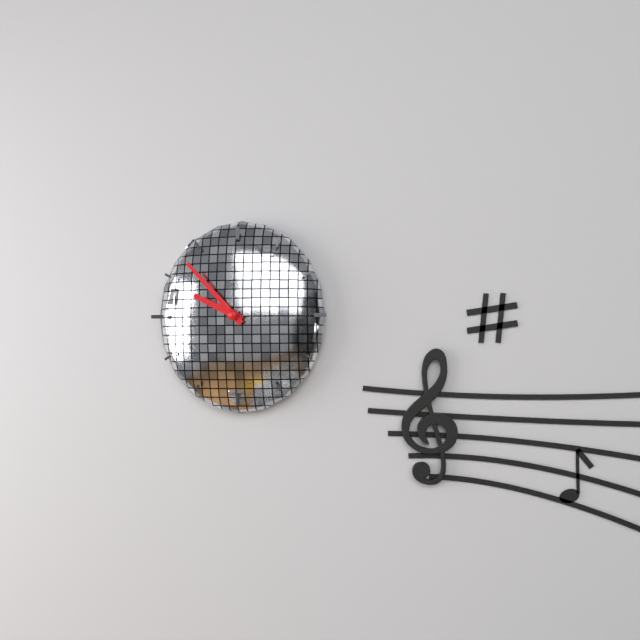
9:53
